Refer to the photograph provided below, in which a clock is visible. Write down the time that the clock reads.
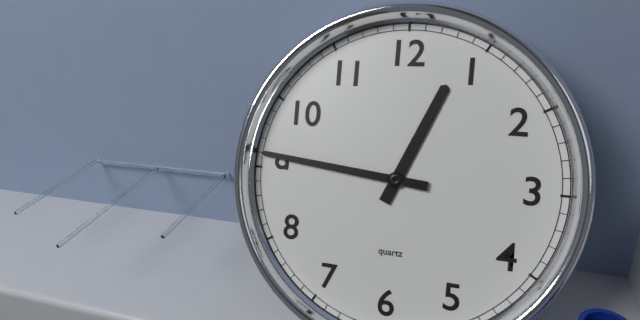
12:46
